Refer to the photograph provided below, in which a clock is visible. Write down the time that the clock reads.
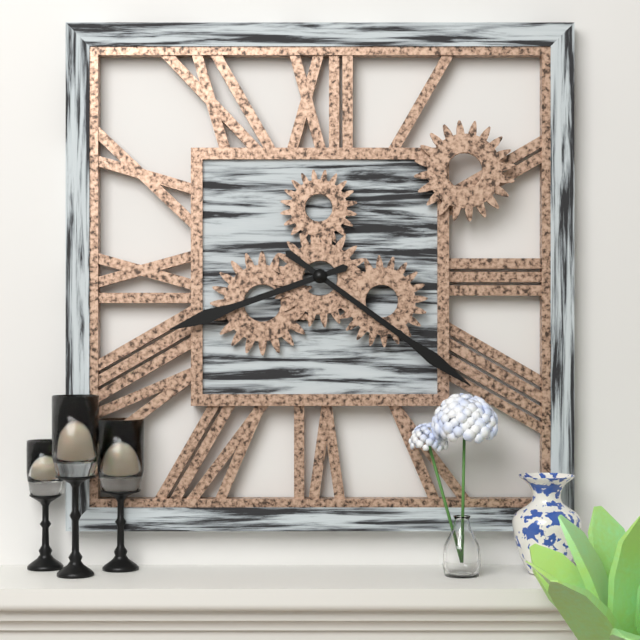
8:21
